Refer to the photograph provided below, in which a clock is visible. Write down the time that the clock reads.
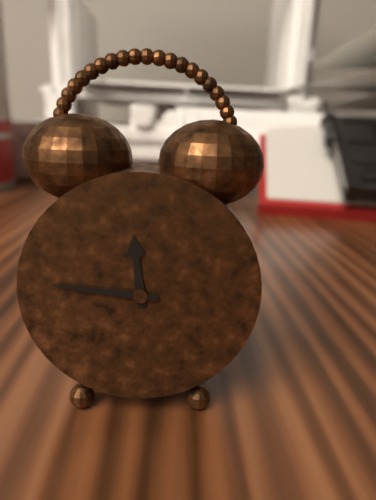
11:46
